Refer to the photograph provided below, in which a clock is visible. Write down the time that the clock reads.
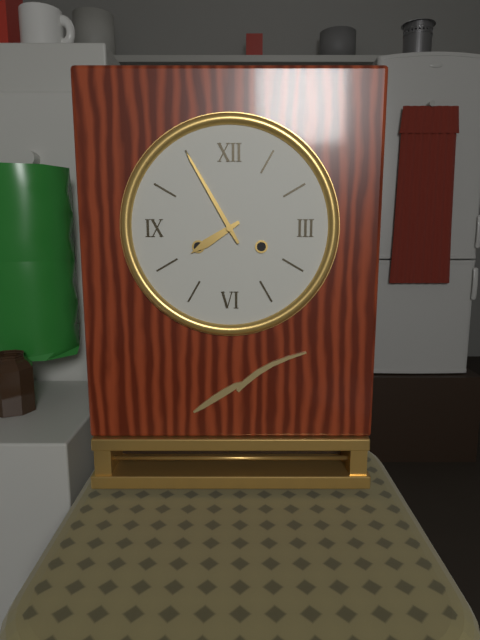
7:55
